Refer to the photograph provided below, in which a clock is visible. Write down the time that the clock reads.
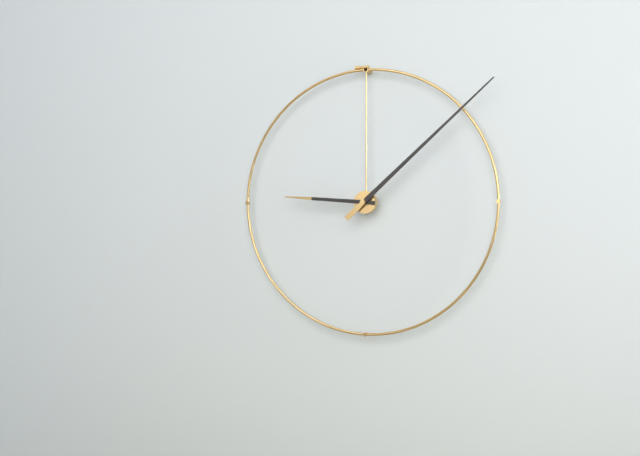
9:08
